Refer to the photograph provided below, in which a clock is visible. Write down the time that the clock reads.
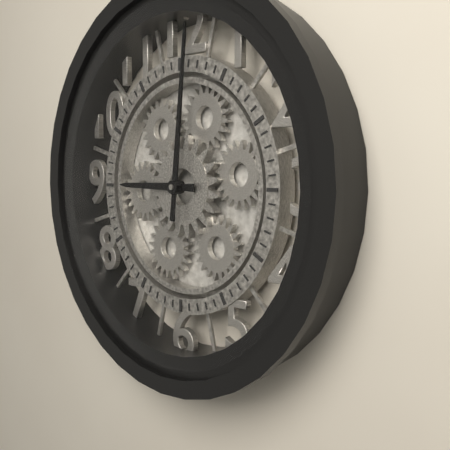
9:01
